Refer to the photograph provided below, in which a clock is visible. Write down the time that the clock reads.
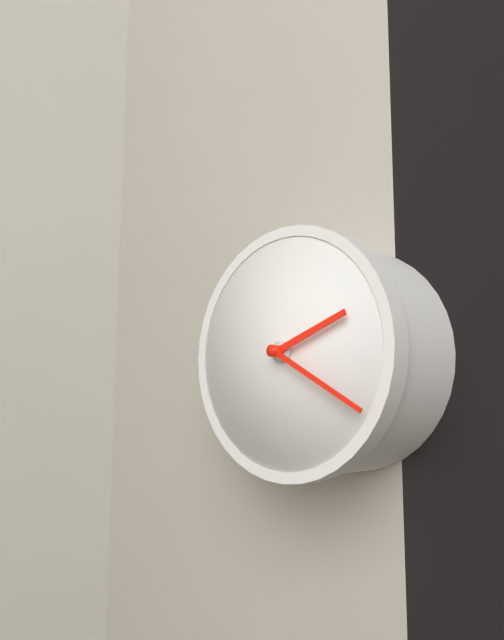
2:20
